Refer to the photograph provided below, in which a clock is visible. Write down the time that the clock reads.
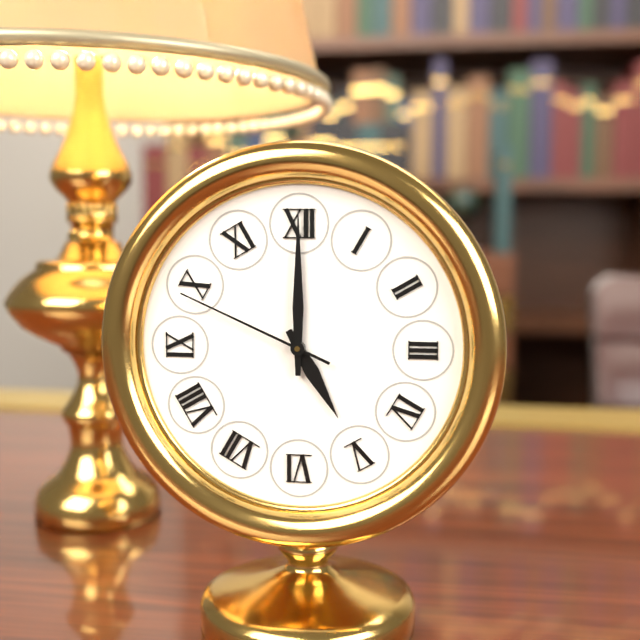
5:00:49
